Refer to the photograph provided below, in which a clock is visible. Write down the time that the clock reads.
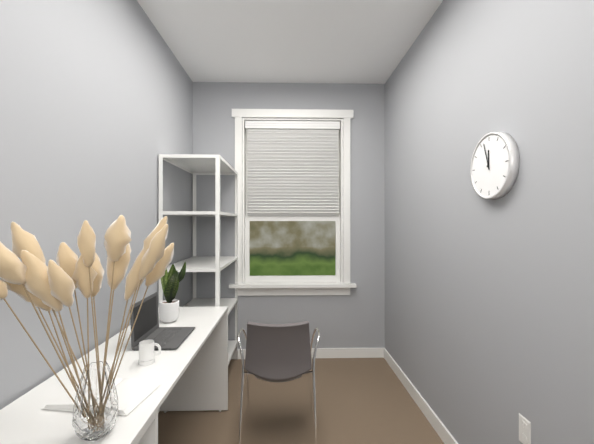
11:57
